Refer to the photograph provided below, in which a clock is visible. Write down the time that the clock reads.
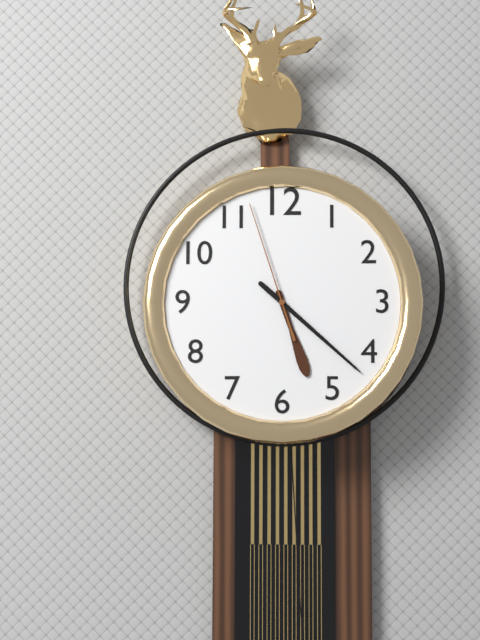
5:22:57
